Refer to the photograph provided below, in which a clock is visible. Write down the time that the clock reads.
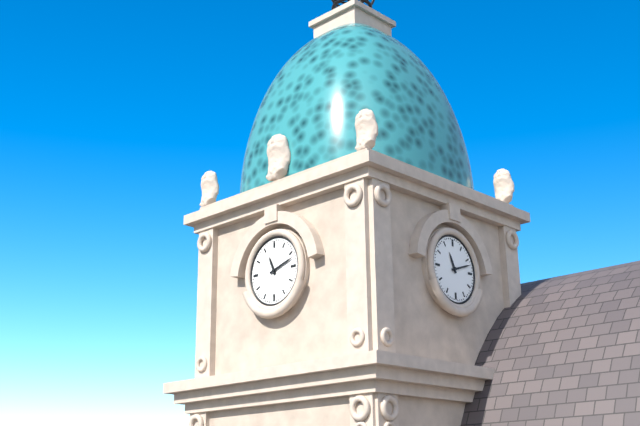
11:12
